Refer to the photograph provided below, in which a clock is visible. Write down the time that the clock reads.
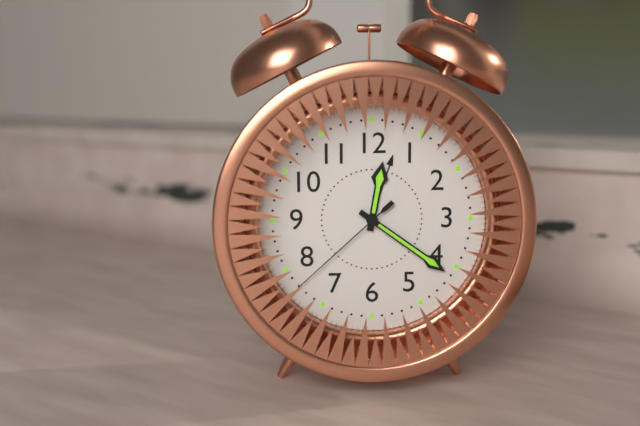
12:21:38
